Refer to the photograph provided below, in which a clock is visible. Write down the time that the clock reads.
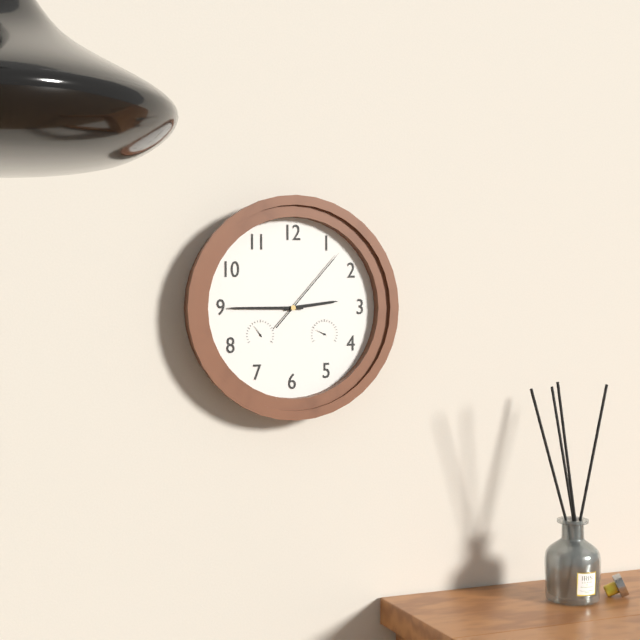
2:45:07
